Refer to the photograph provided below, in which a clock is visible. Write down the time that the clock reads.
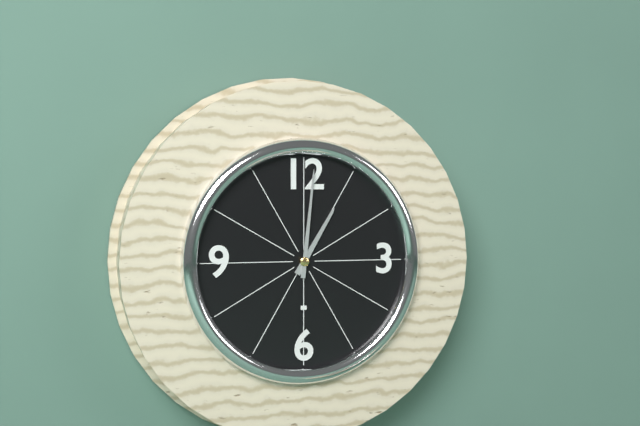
1:01
